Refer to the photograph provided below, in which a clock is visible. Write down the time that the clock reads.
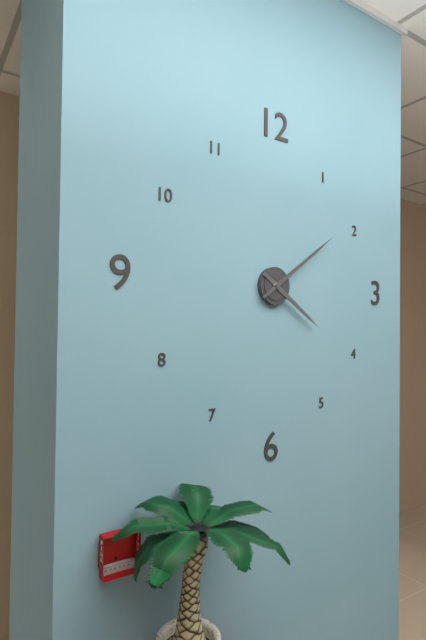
4:09
